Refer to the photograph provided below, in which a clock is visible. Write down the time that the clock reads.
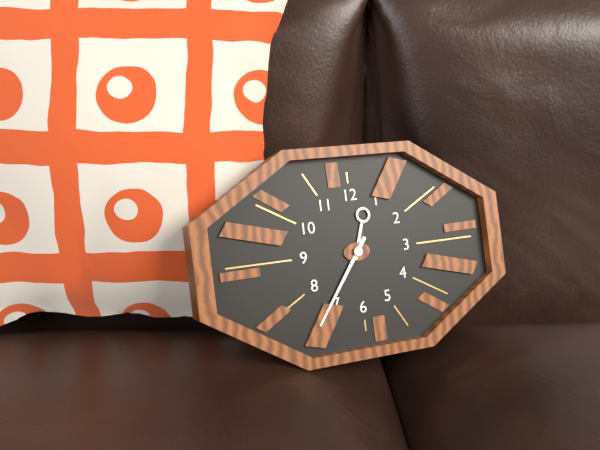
12:36
